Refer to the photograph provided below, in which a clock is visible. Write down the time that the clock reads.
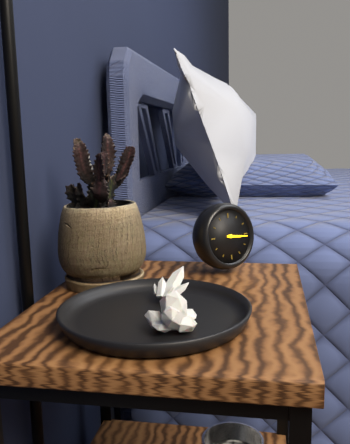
3:16
